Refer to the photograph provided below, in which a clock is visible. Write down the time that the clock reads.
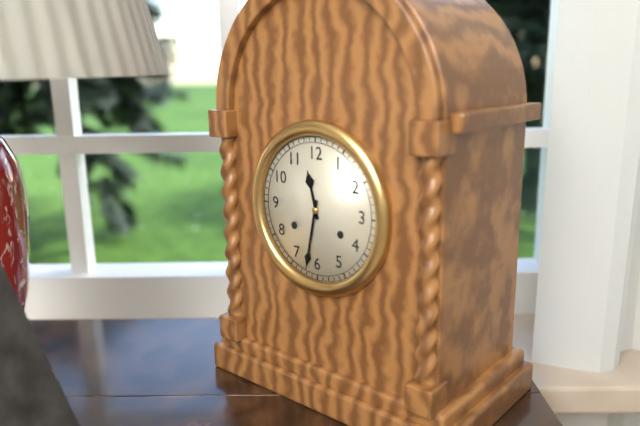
11:32
